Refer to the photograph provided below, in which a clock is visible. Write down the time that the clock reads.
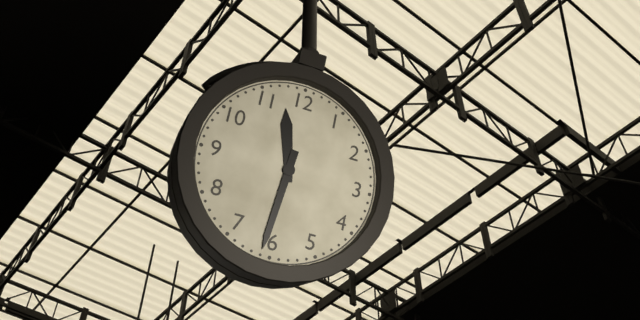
11:31
